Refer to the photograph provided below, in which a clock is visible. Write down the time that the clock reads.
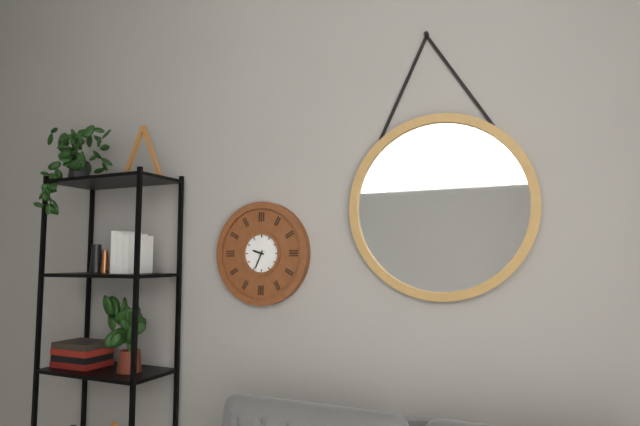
9:34
